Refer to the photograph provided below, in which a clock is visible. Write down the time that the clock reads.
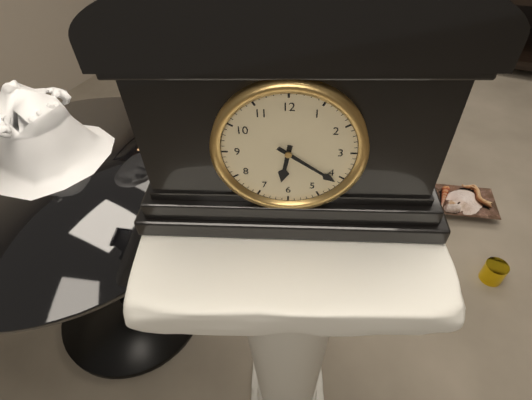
6:21
